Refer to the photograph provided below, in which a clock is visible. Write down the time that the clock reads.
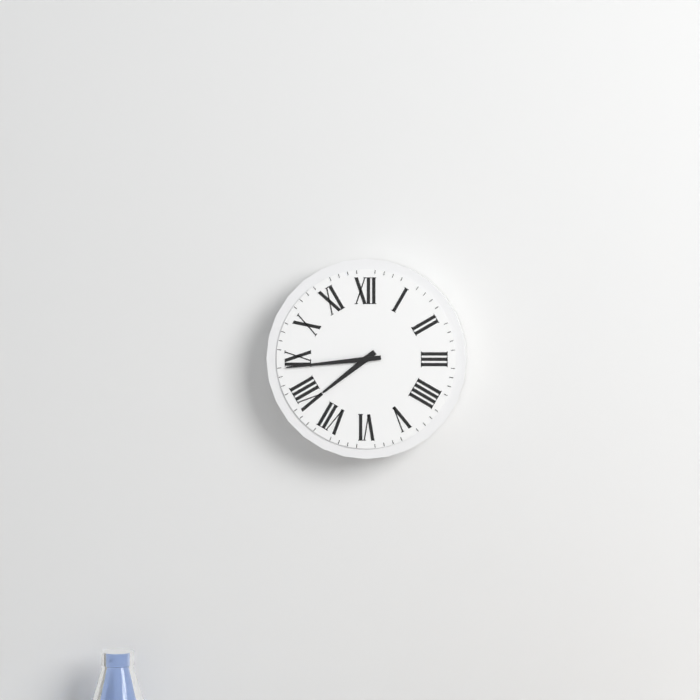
7:44
